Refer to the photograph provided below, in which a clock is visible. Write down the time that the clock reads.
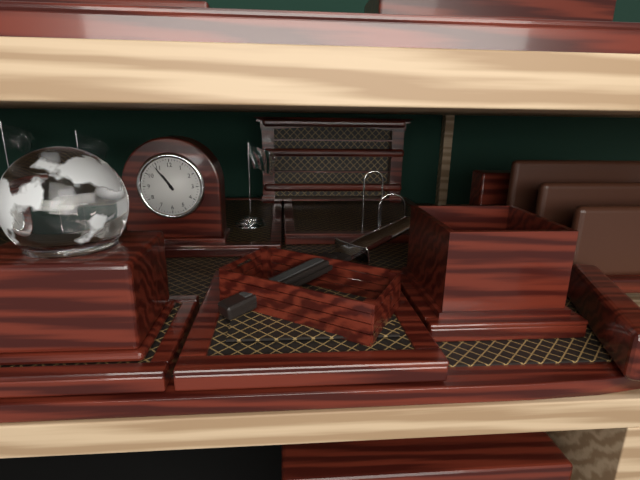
10:54
